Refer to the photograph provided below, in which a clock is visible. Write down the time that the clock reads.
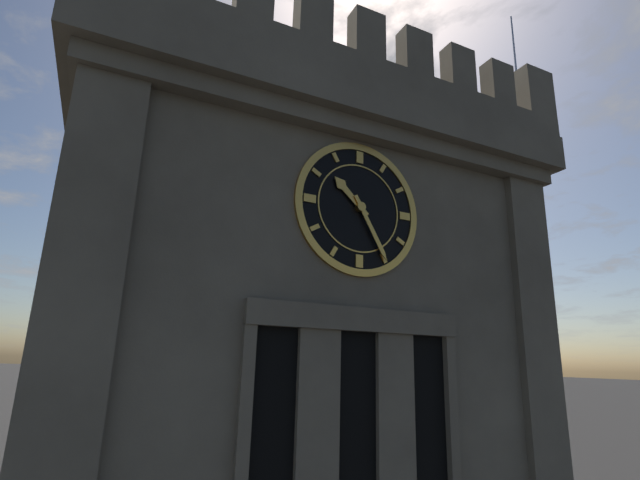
10:25
